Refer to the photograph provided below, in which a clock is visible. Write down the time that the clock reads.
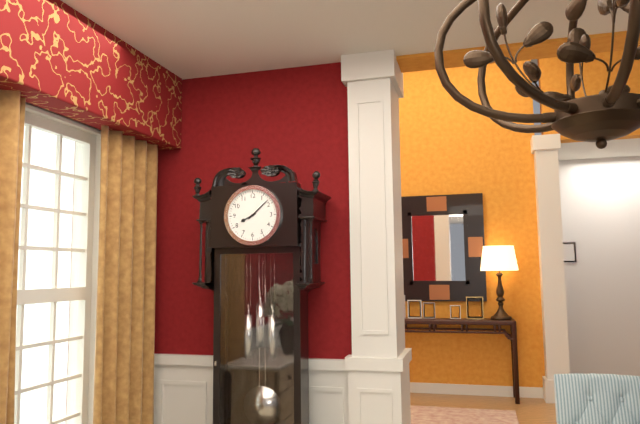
8:08
